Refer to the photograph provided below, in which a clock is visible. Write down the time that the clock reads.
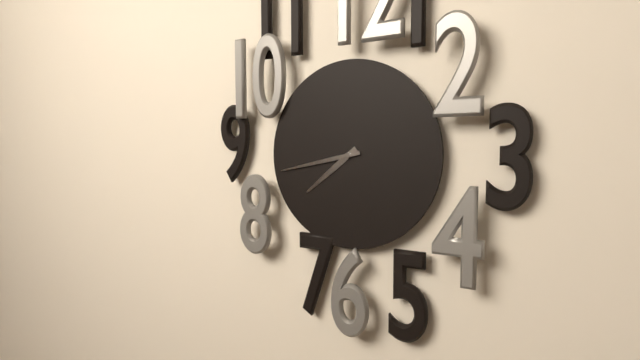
7:43
